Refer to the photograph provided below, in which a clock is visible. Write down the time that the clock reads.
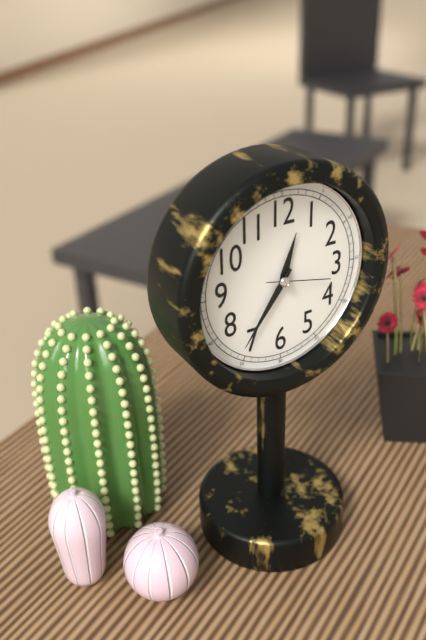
12:36:17
